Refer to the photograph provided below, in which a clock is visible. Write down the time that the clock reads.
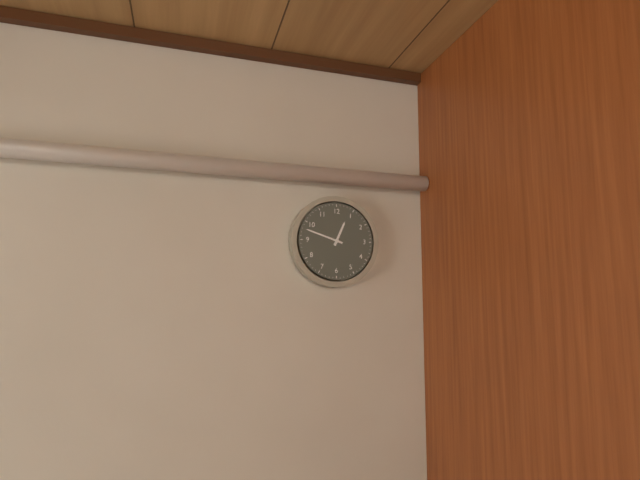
12:48
